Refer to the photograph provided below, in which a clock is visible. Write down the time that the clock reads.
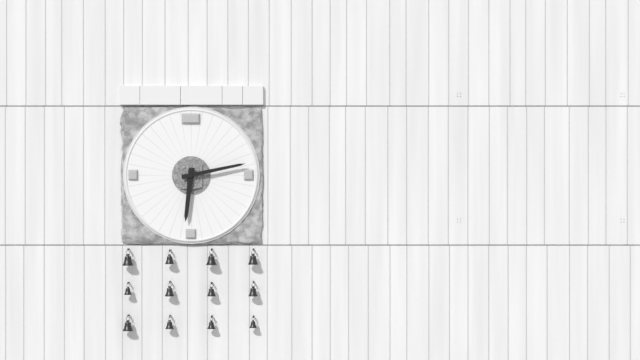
6:13
